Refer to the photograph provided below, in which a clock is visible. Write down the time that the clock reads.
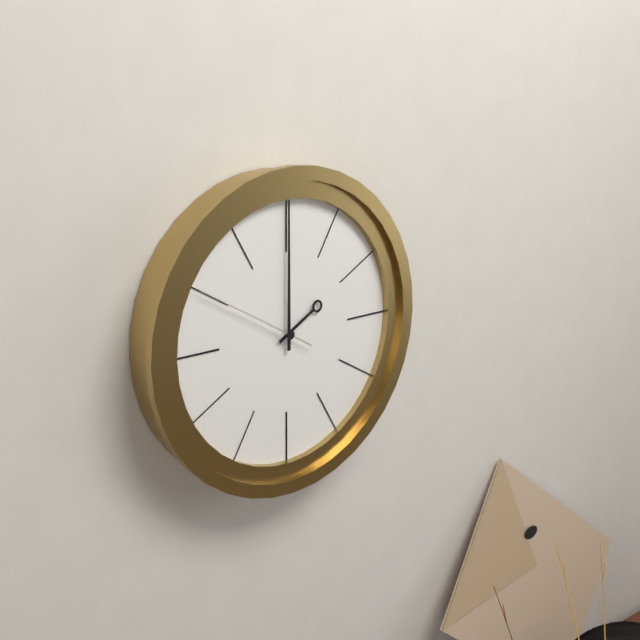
2:00:50
